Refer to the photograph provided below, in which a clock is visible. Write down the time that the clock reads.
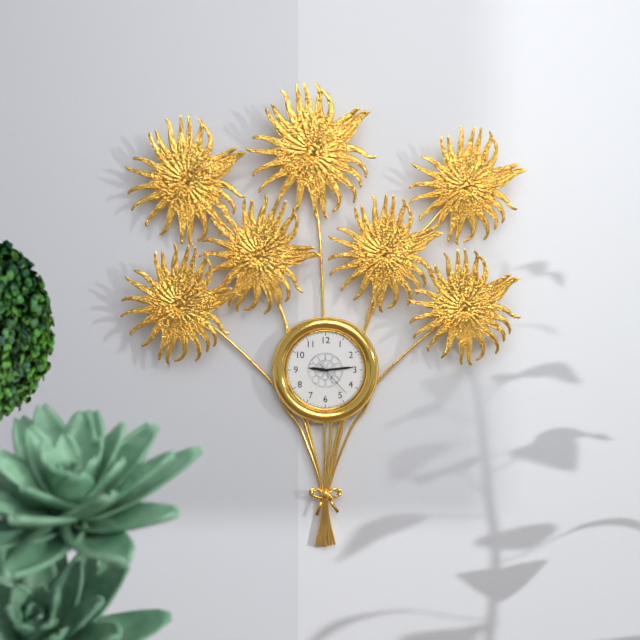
9:14
